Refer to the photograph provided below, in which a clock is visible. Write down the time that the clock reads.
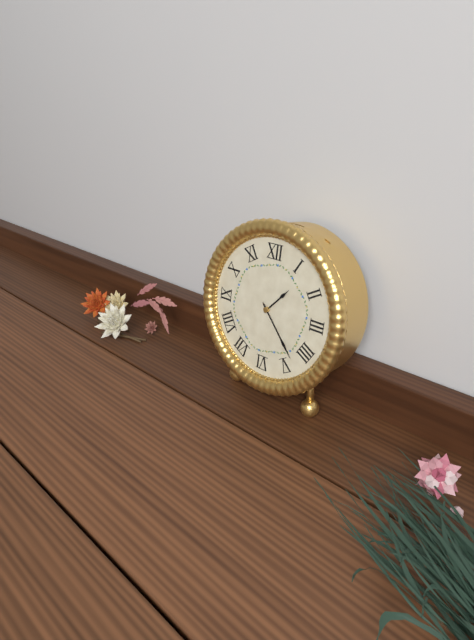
1:23
